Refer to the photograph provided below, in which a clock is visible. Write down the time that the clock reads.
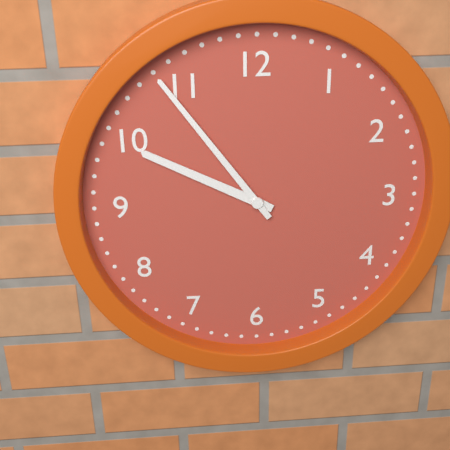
9:54
